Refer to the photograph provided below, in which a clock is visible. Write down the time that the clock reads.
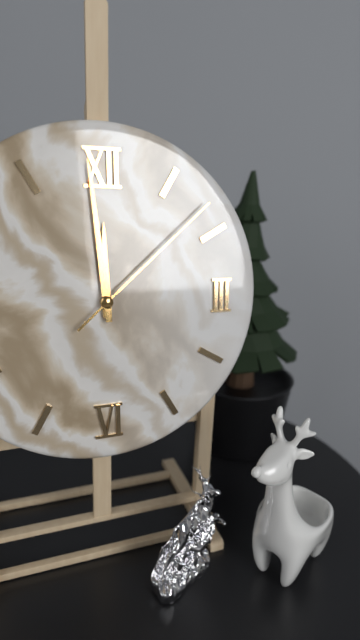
11:59:08
